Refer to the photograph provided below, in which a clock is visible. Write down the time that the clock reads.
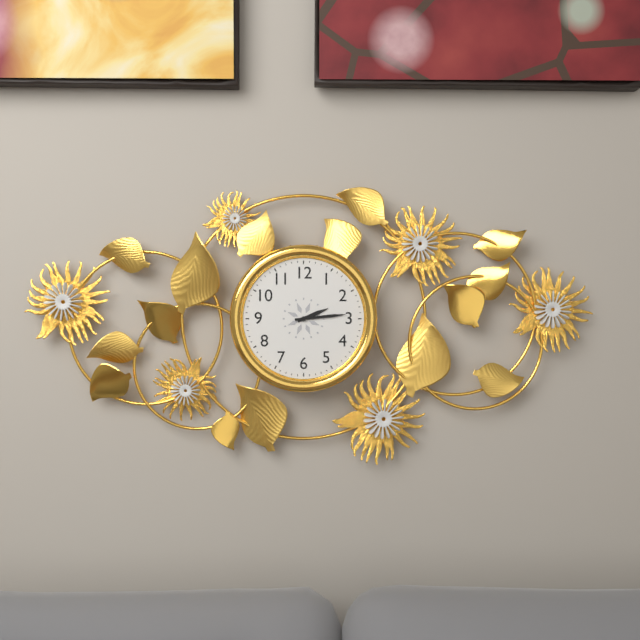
2:14
